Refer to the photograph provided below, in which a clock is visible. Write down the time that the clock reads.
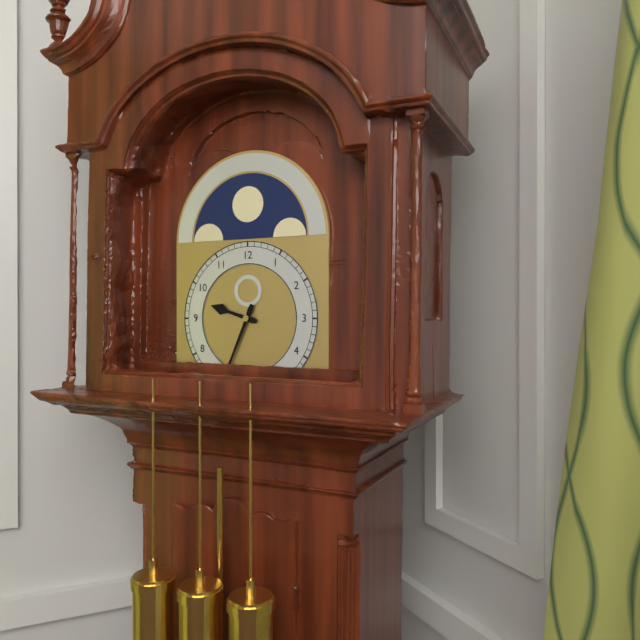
9:34
